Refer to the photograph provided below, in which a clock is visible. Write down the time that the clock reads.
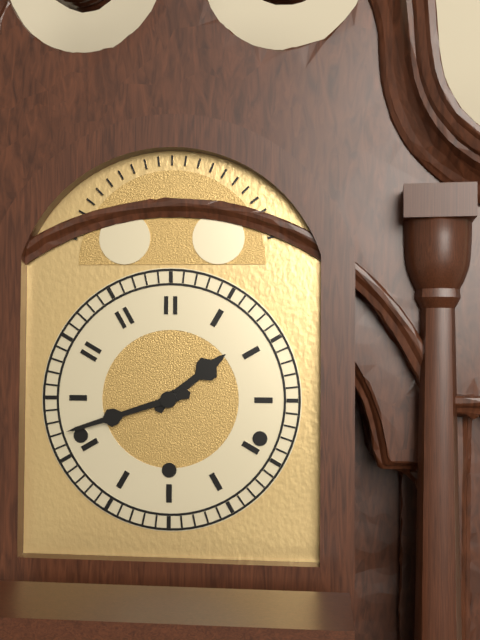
1:42
